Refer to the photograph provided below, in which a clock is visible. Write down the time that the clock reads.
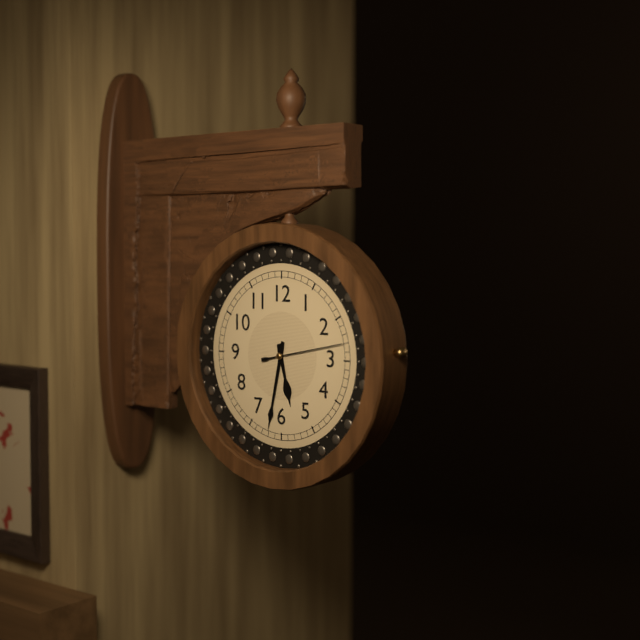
5:32:13
